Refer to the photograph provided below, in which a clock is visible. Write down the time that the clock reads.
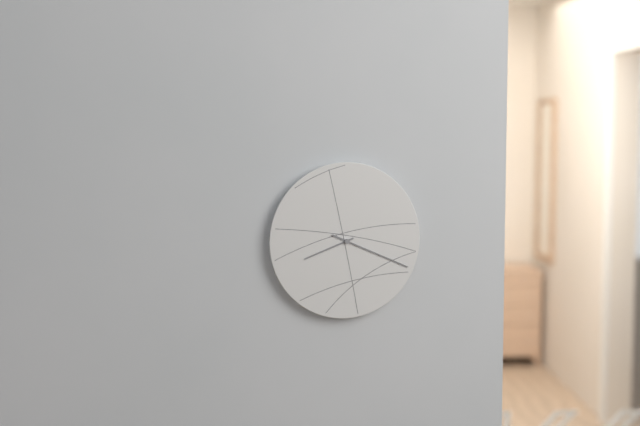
8:19
